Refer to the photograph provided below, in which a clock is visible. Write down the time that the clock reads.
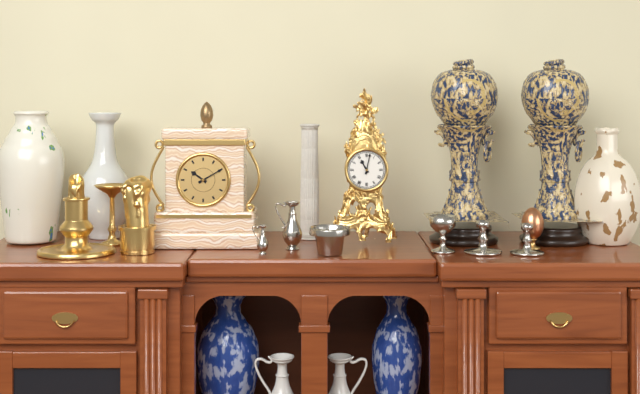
11:02
